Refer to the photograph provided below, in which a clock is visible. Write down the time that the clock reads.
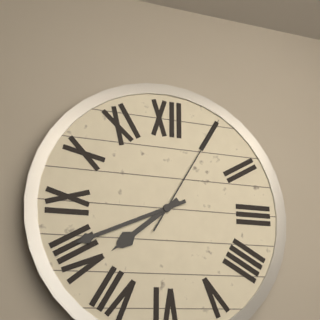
7:41:05
